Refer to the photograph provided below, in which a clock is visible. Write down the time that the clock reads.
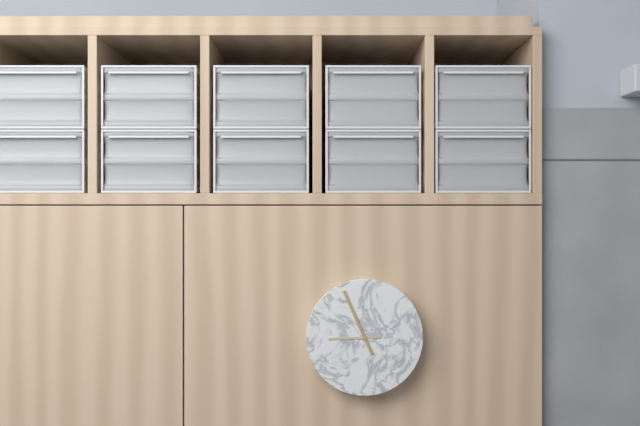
8:56
